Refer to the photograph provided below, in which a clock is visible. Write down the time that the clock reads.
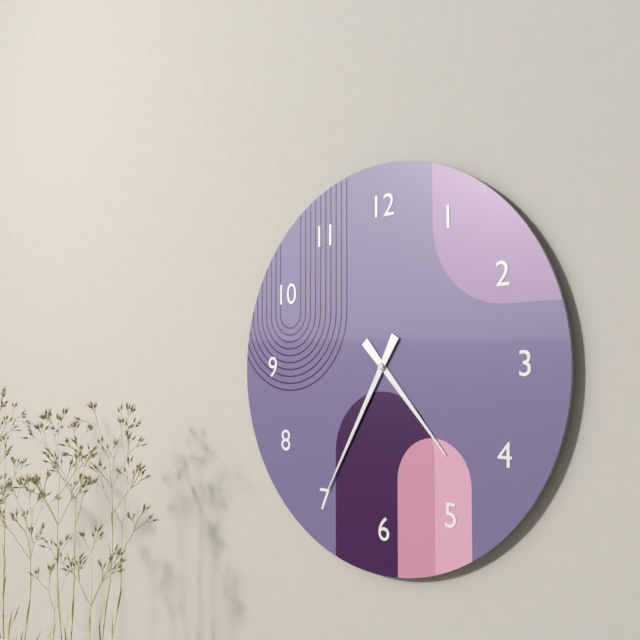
4:35
